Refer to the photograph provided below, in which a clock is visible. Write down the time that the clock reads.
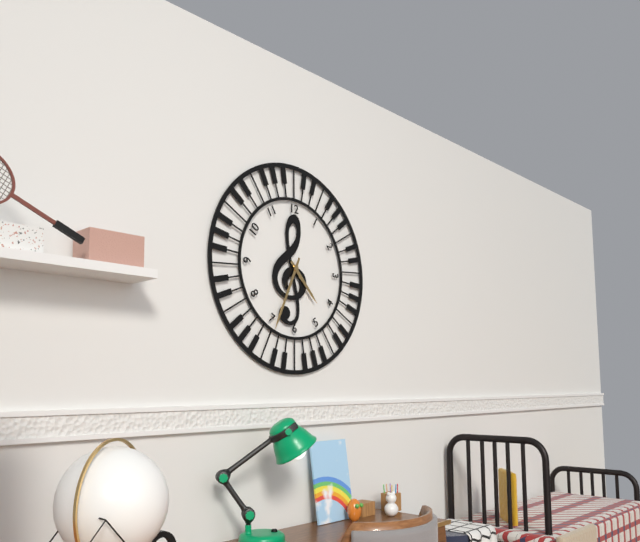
4:34
